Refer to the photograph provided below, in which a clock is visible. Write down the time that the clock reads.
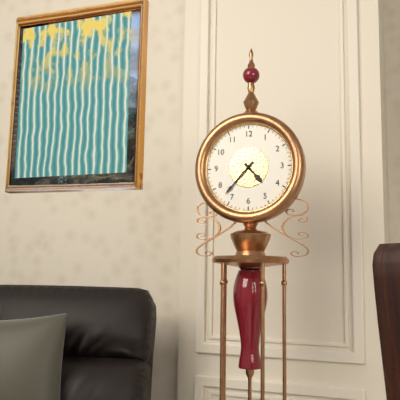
4:37
